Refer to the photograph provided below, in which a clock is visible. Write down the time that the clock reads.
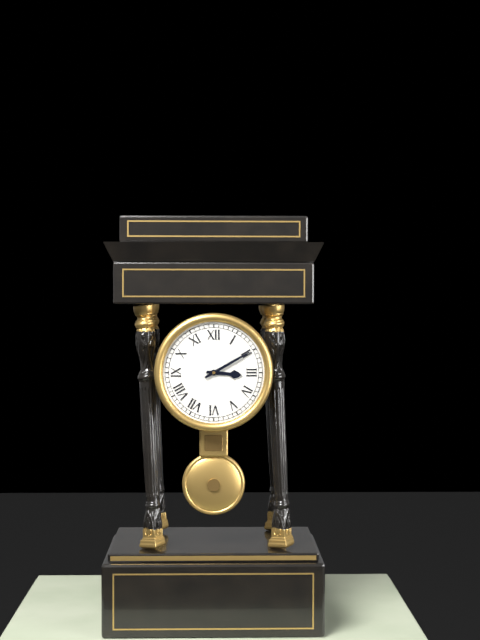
3:10
